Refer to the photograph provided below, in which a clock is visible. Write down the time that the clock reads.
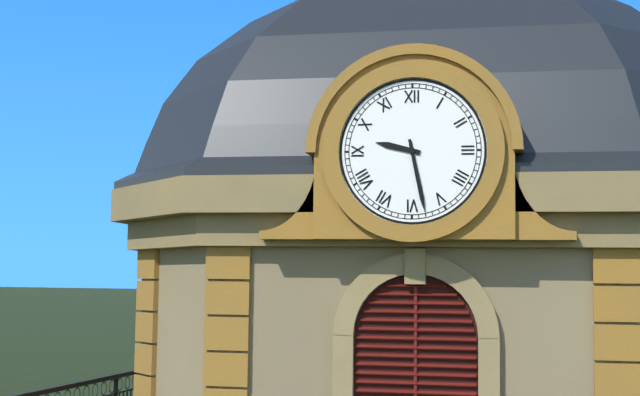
9:28
